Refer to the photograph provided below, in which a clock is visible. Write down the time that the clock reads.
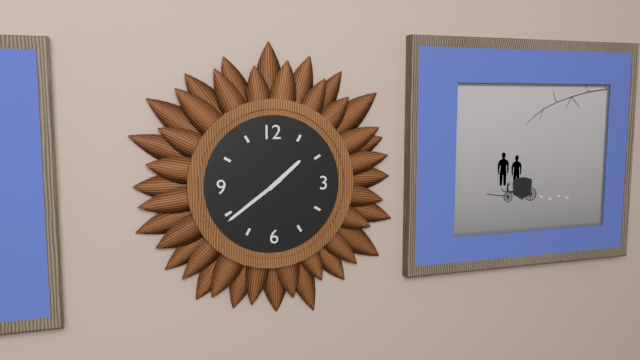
1:39
